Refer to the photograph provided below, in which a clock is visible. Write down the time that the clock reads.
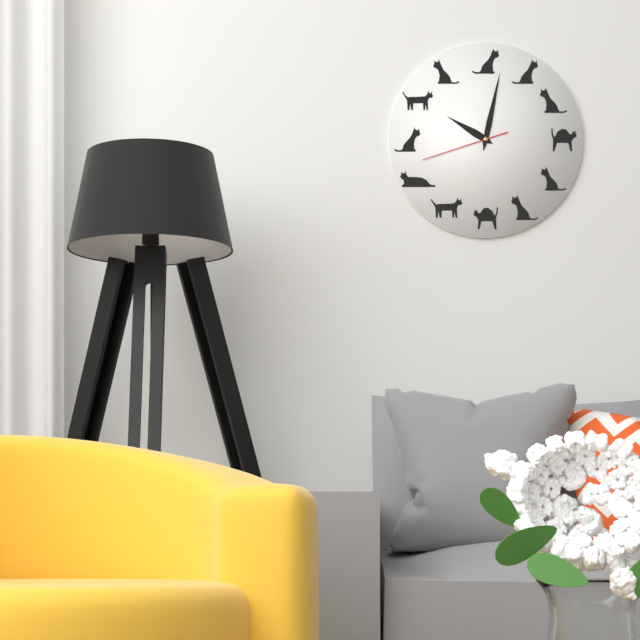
10:02:42
